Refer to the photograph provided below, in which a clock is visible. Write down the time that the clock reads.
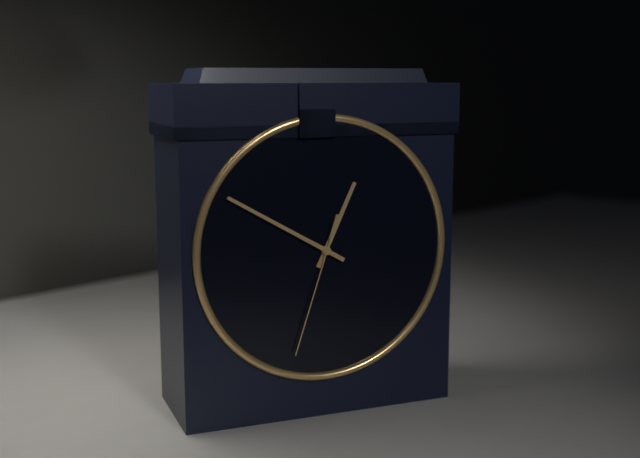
12:50:33
